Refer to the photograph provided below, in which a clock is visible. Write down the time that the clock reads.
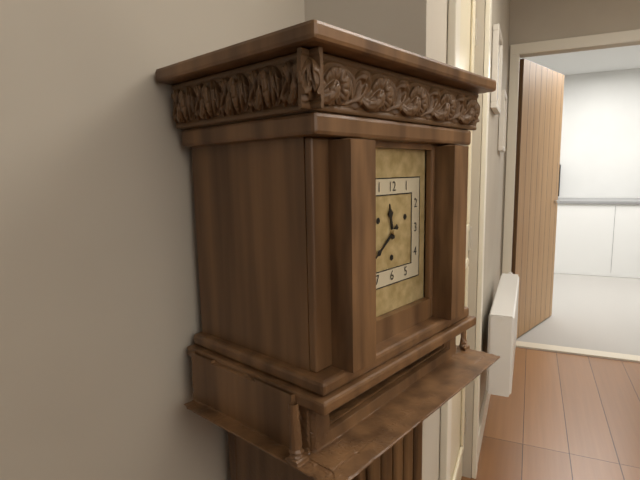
11:39
